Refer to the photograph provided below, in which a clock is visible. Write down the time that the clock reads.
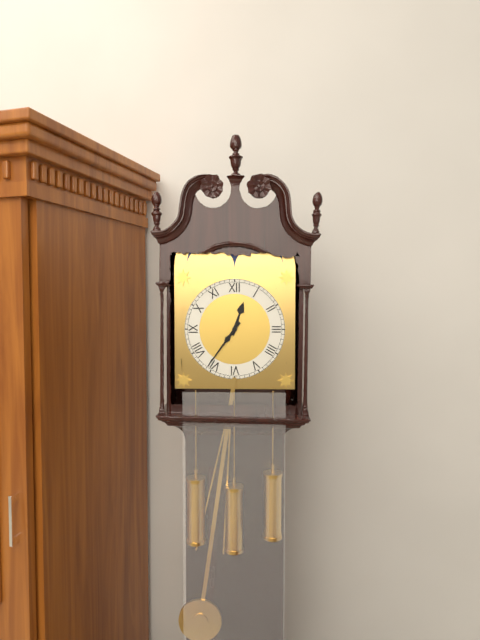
12:36
